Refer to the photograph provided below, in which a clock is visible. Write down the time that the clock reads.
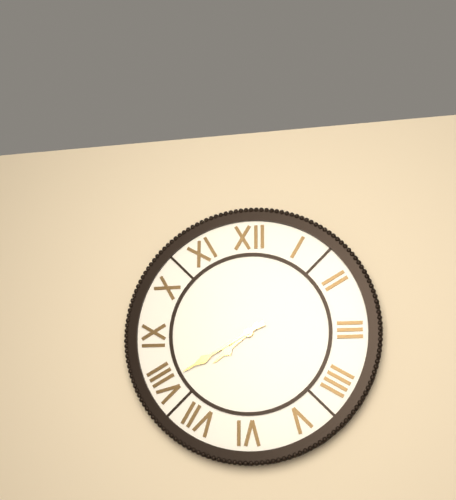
7:40
